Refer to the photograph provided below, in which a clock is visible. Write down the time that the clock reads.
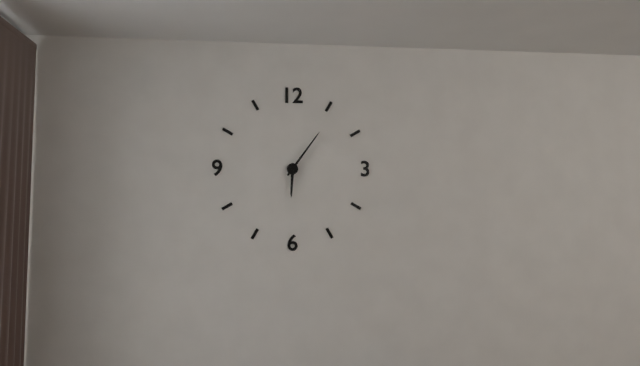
6:06
